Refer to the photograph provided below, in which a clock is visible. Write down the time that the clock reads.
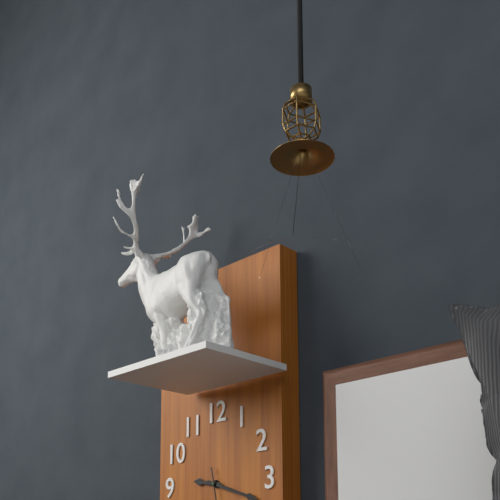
9:18
